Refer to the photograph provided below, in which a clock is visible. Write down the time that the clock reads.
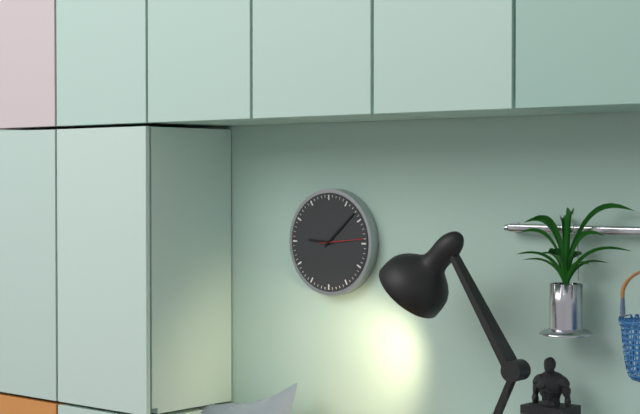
9:08
